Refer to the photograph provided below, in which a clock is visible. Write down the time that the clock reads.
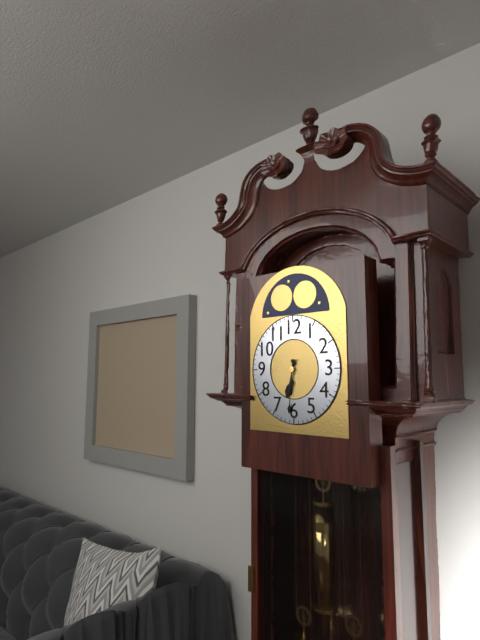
6:31
